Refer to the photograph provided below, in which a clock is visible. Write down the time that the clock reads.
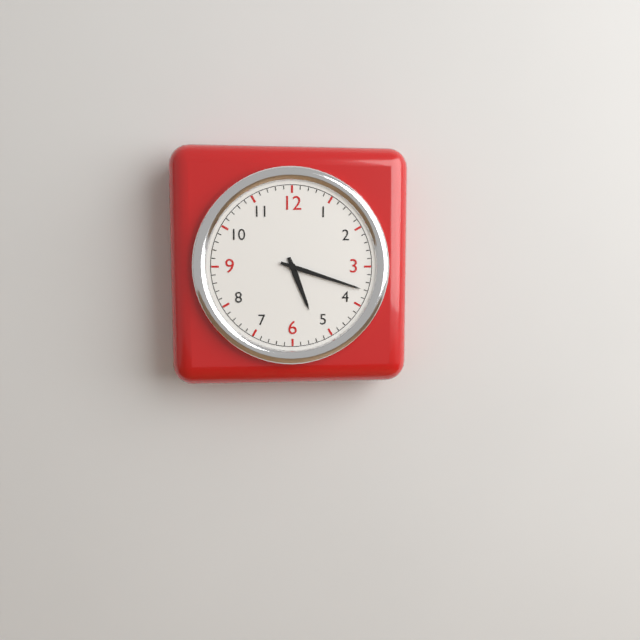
5:18
